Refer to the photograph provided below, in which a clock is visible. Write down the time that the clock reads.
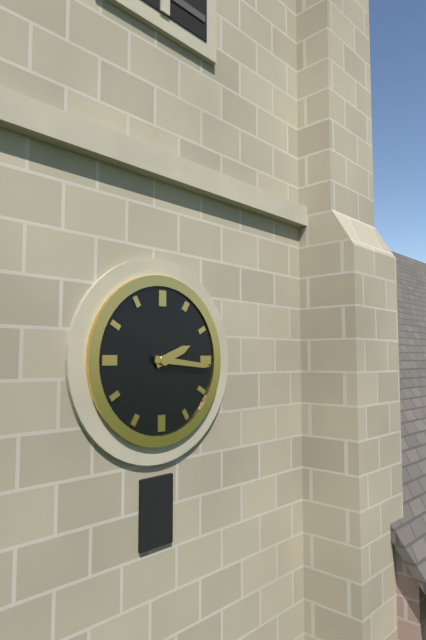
2:16
